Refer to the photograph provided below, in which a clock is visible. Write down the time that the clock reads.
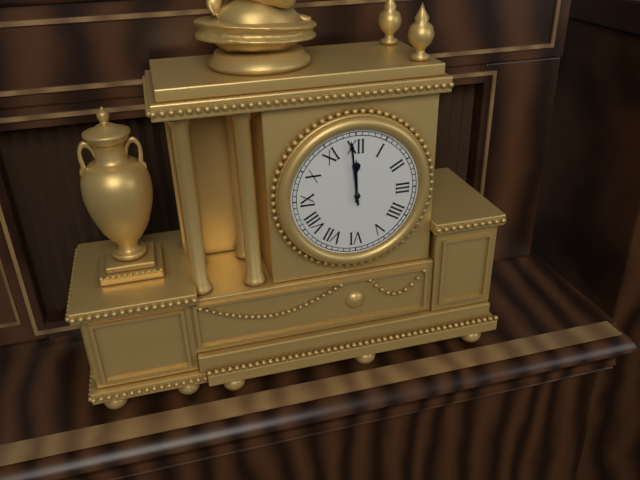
11:59
